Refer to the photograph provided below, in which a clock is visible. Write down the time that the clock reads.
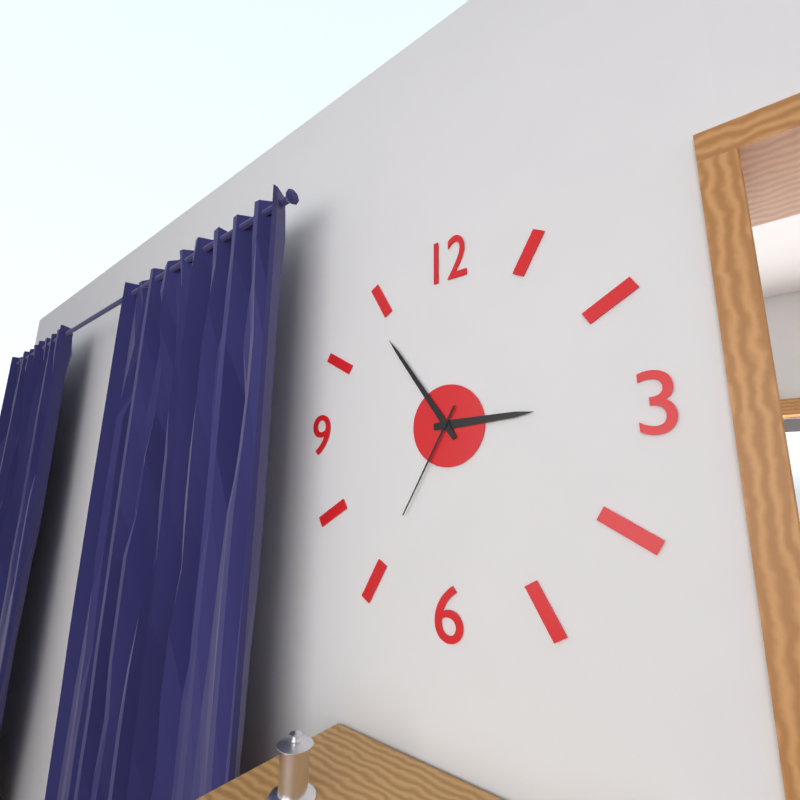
2:54:35
